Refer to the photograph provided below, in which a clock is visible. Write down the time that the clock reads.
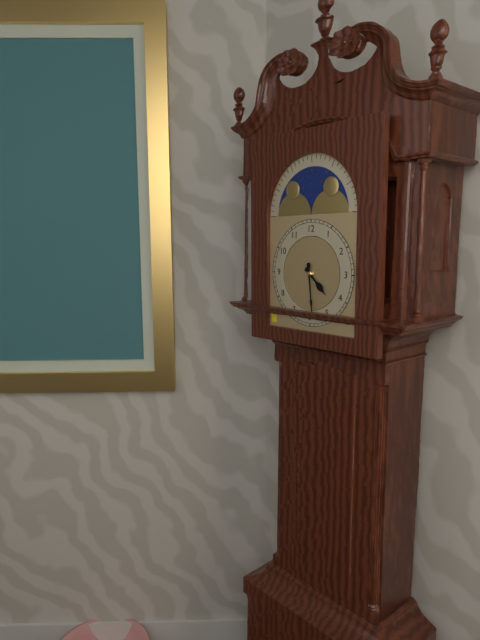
4:29
